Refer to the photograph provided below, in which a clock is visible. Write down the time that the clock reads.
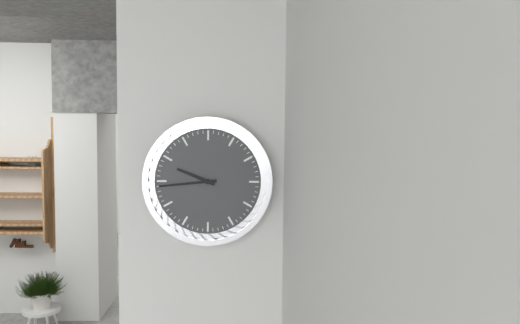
9:44
